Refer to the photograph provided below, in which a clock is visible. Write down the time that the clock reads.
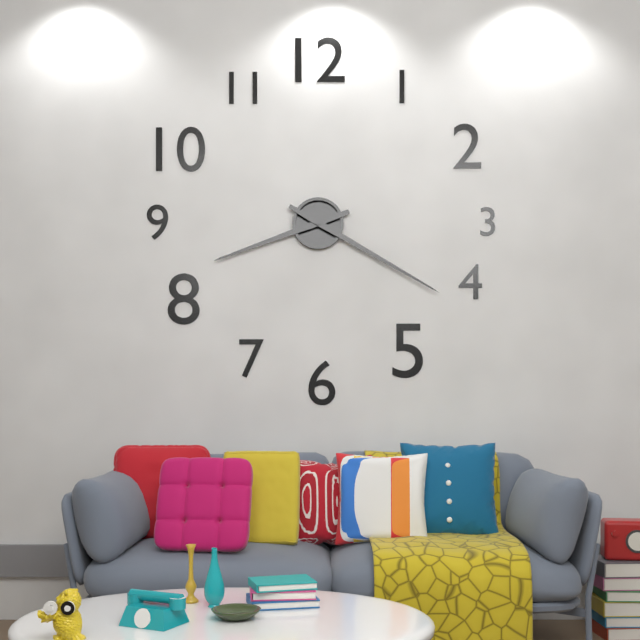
8:20
